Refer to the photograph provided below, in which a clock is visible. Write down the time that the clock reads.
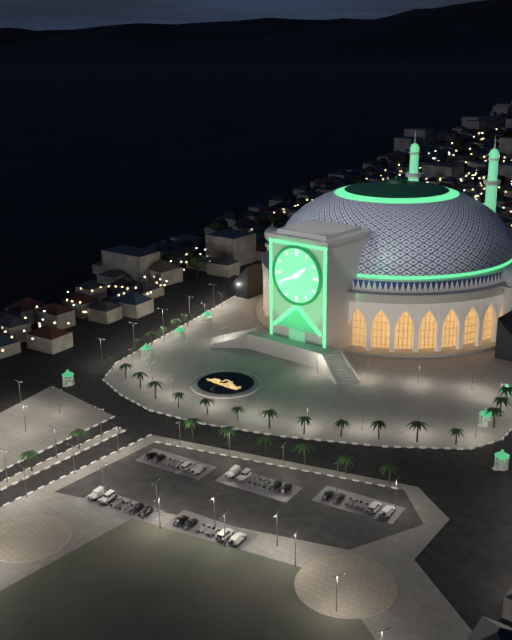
1:41
